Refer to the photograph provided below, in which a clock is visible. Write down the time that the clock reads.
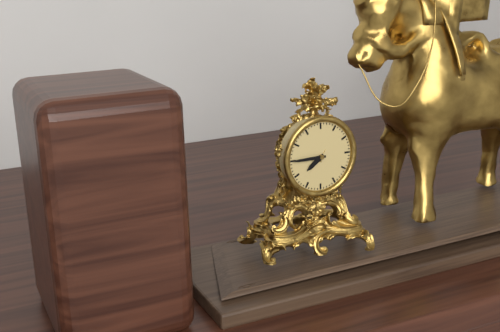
7:45
